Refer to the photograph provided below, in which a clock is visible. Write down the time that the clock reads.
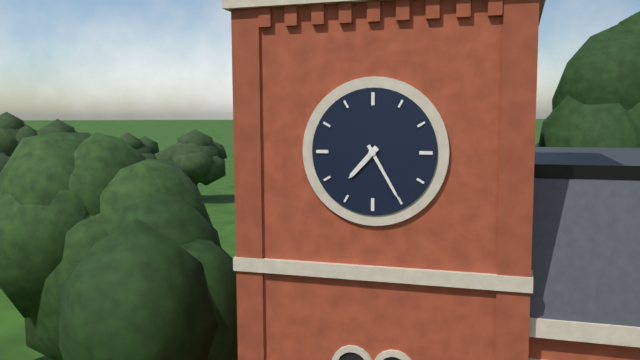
7:25
